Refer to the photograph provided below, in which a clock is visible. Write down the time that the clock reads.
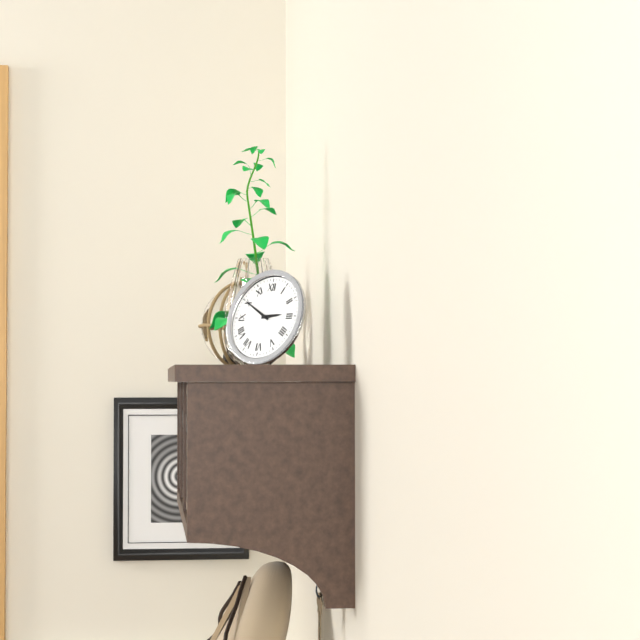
2:50
